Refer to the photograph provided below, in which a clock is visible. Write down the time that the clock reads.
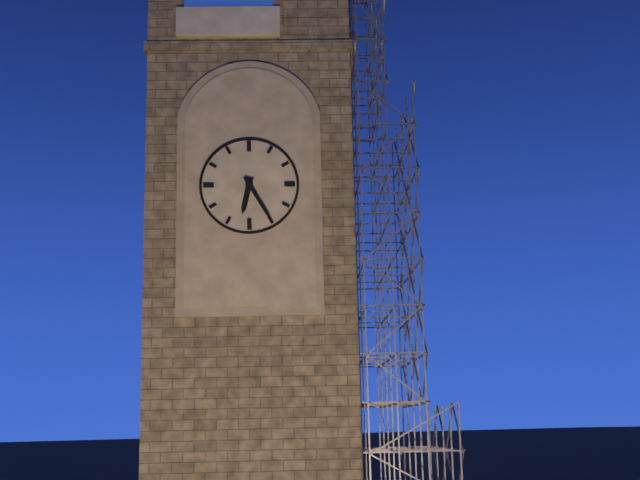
6:25
